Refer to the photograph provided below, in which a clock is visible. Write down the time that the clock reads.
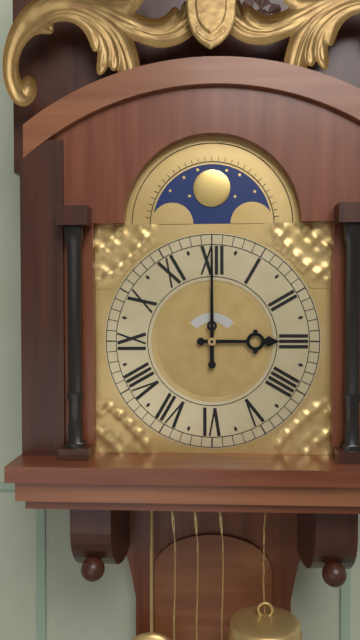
3:00
